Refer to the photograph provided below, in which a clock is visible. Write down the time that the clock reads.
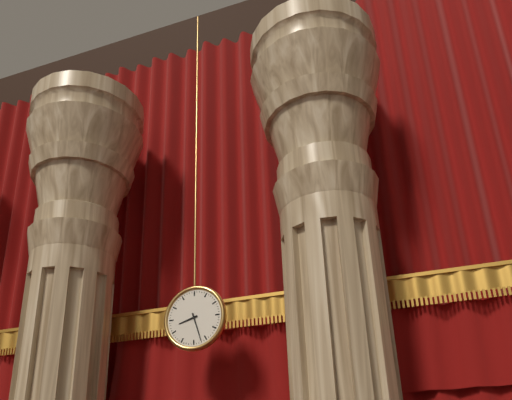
8:27
